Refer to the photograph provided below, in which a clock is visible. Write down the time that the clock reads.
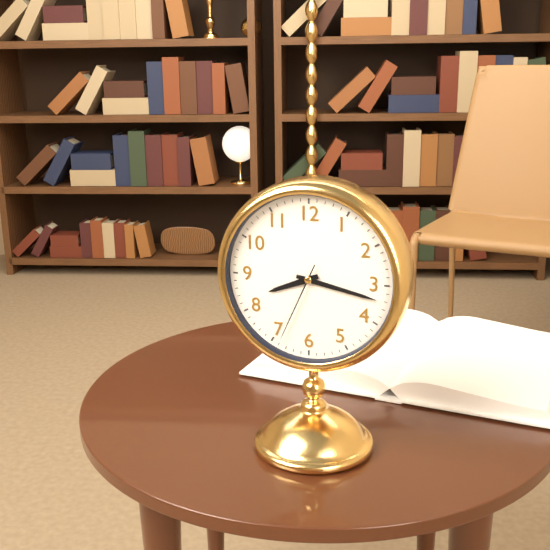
8:17:34
